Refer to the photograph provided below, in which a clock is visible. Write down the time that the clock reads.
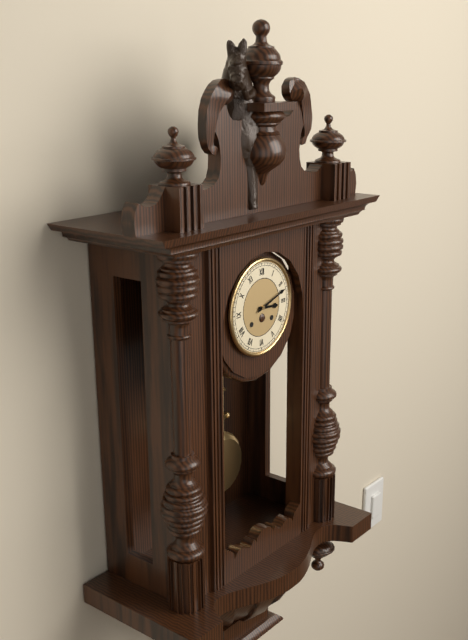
3:12
